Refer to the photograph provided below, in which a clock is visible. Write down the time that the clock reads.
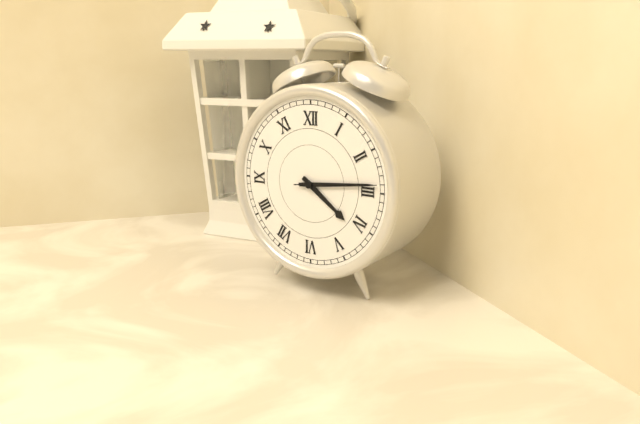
4:14:14
